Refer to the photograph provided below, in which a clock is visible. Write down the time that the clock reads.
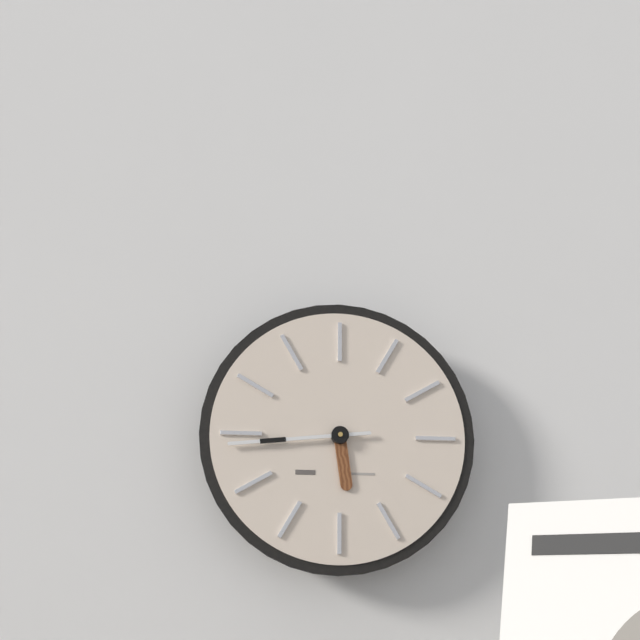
5:44
